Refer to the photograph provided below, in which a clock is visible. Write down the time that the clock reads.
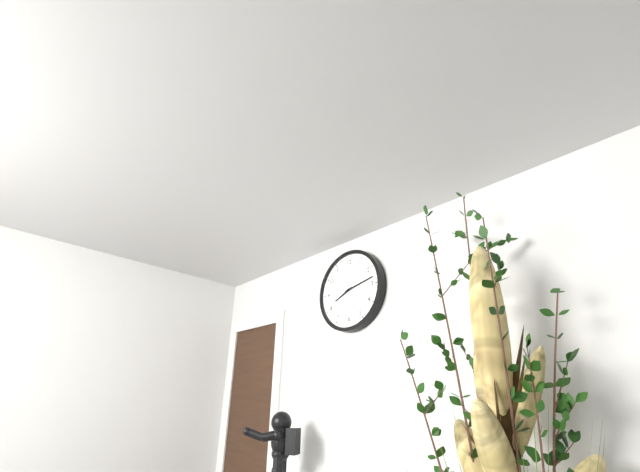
8:13
